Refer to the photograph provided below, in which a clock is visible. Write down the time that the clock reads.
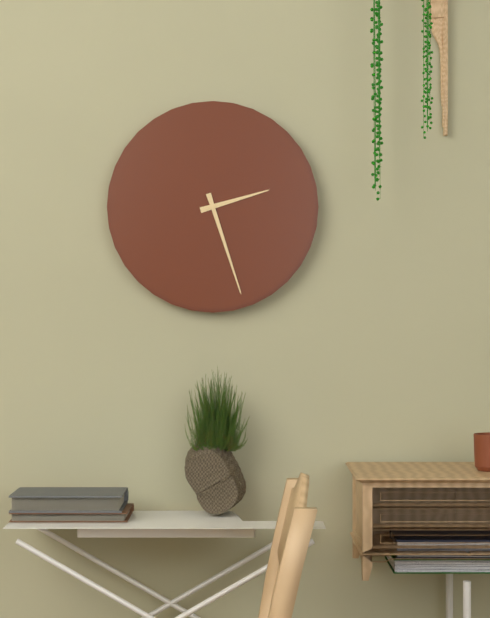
2:27
